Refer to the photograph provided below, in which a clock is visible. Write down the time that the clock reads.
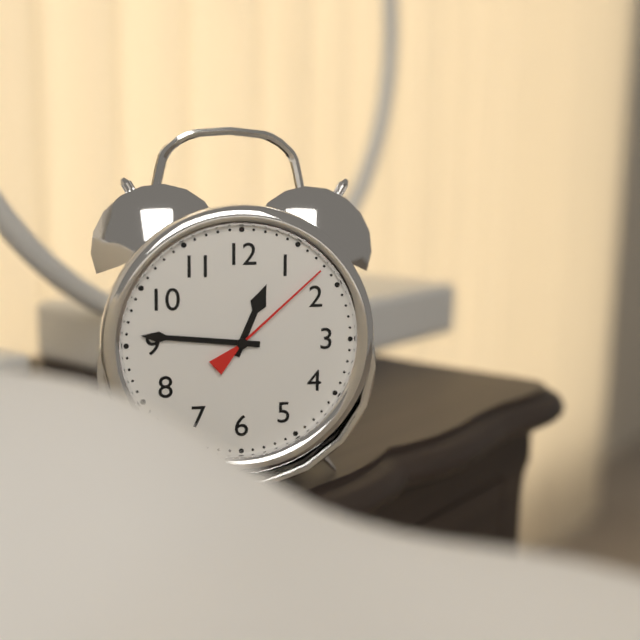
12:46:08
